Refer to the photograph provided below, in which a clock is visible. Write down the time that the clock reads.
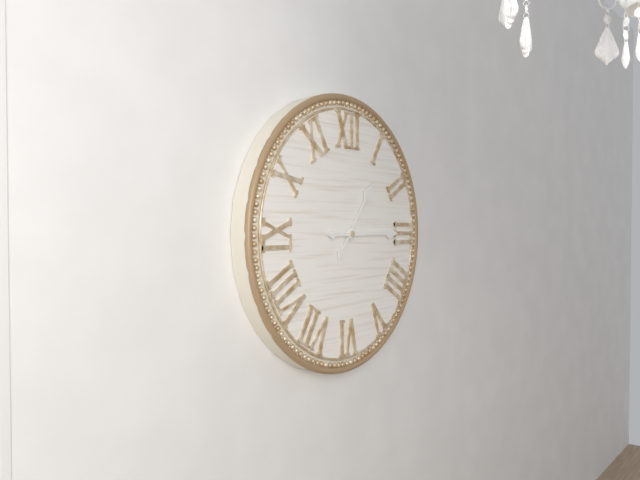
1:15
